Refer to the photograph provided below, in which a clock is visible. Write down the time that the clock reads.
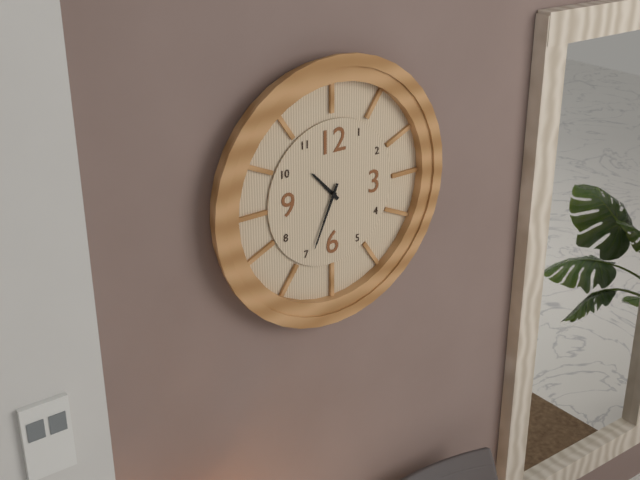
10:34
